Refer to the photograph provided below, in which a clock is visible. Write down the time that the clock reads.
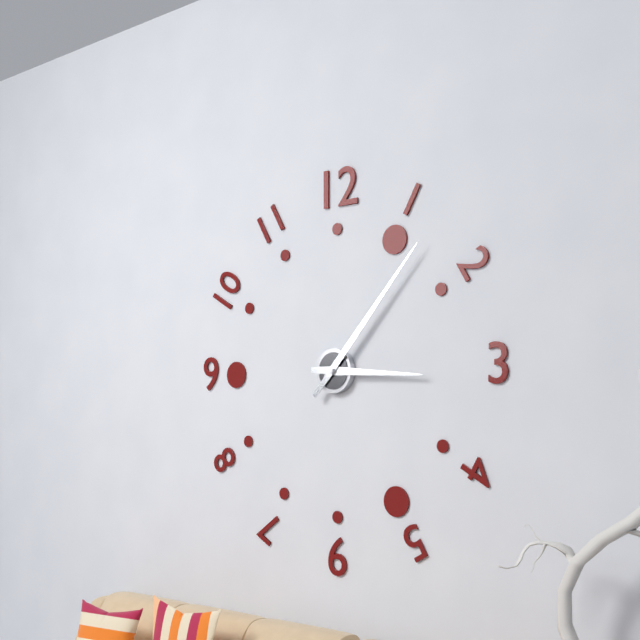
3:07
